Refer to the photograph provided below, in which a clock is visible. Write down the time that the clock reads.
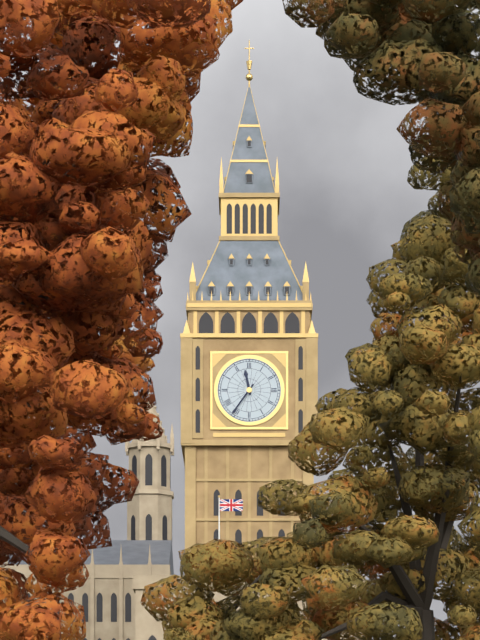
11:36
